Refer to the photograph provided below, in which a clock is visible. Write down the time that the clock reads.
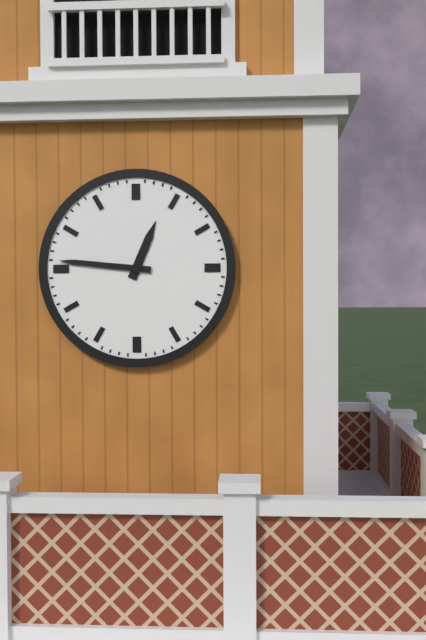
12:46
